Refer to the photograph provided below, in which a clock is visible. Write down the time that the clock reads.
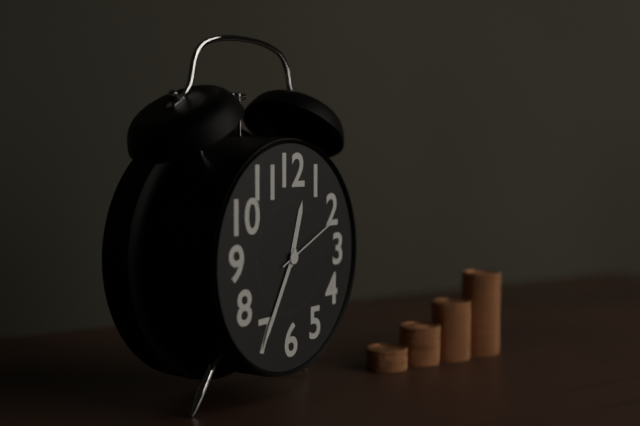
12:35:11
